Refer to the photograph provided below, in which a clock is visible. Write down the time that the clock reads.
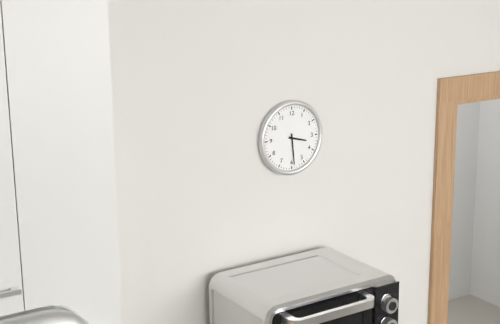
3:29
